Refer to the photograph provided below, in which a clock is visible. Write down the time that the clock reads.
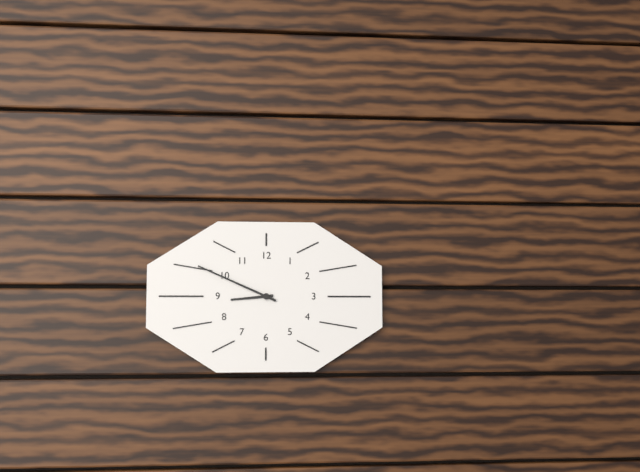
8:49
